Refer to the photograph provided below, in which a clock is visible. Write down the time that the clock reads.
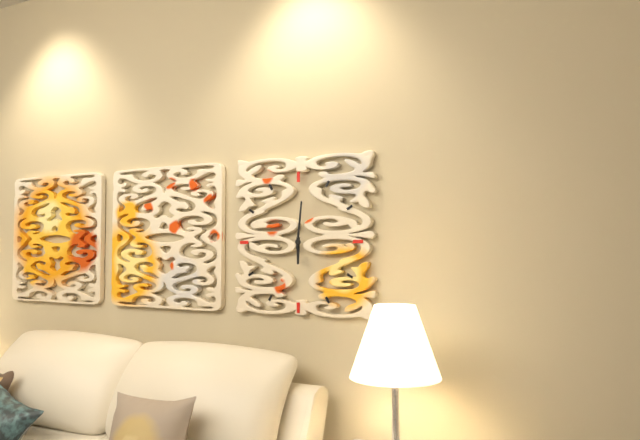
6:01
